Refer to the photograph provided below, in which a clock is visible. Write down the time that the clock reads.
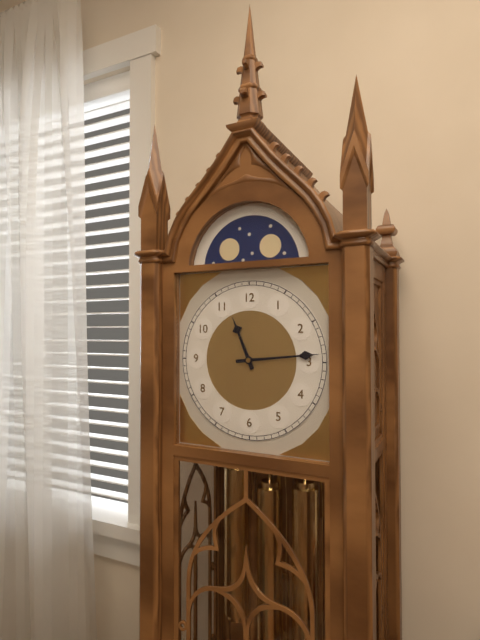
11:14
